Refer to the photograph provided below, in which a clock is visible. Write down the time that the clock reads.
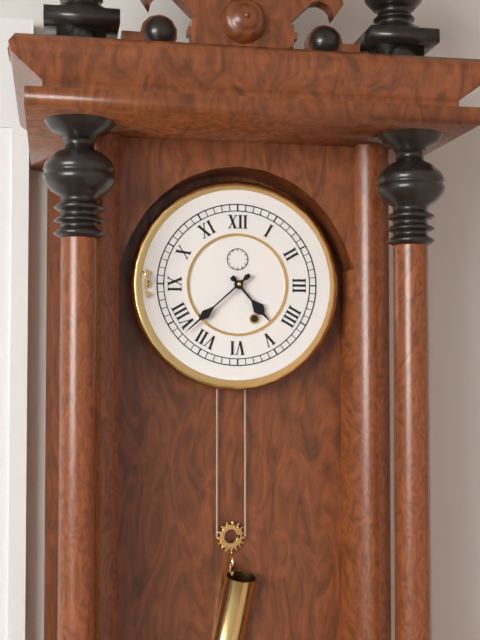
4:38
